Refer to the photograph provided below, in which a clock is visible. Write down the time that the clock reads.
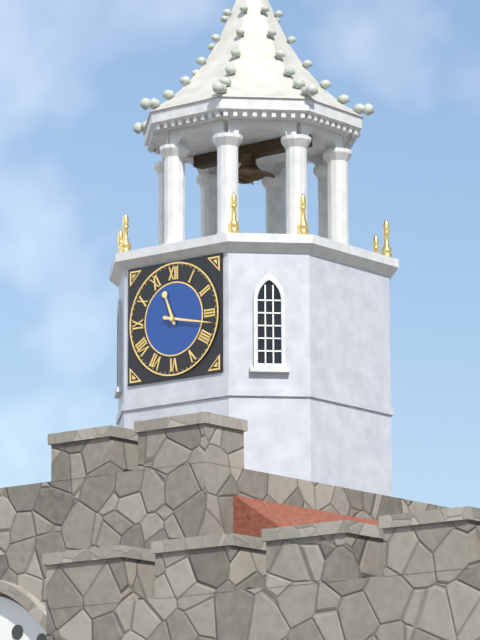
11:17
